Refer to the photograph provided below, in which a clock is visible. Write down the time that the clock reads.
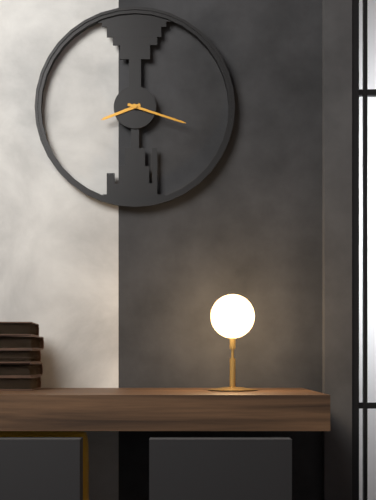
8:18
